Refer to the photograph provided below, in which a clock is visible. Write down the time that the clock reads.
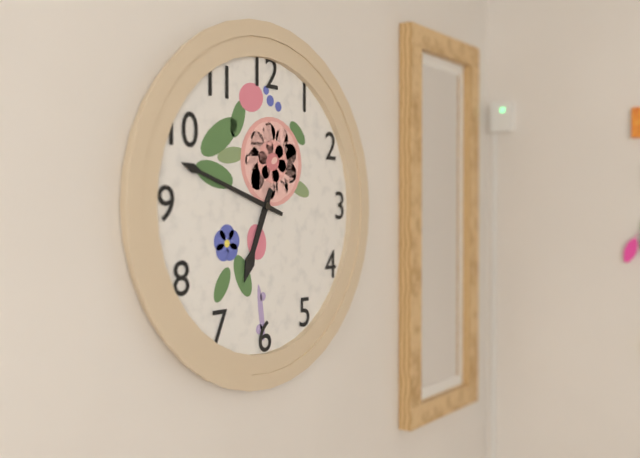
6:48
